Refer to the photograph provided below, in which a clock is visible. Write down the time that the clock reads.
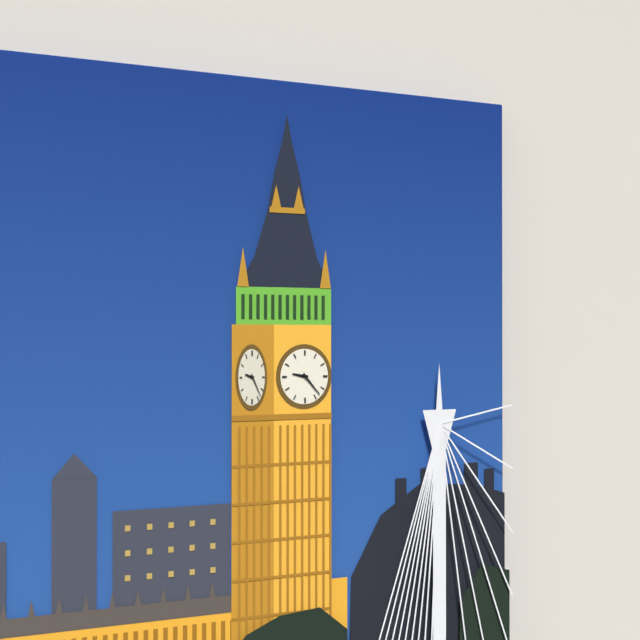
9:23
